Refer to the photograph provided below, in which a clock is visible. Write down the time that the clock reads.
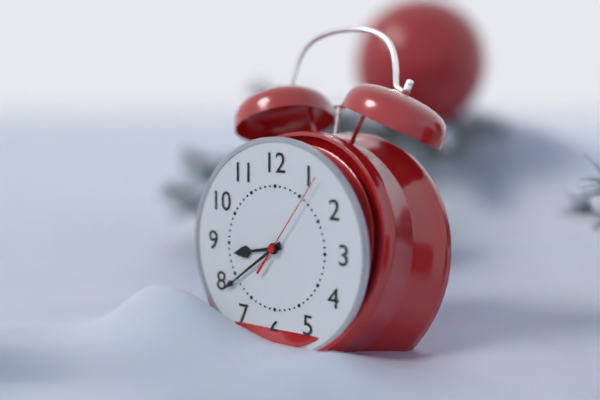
8:39:06
